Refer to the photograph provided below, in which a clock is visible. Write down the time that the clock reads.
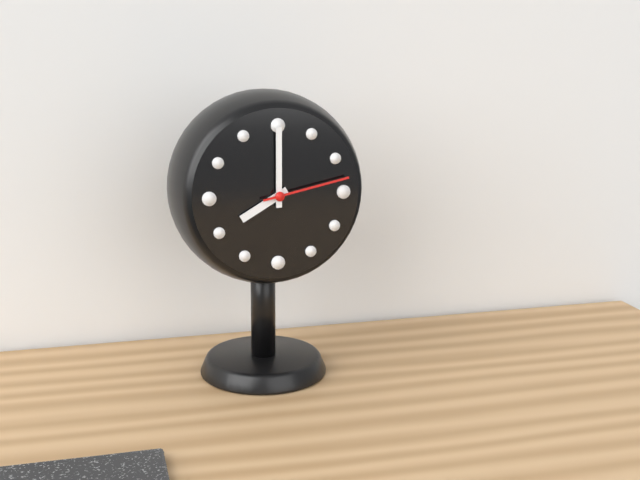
8:00:13
